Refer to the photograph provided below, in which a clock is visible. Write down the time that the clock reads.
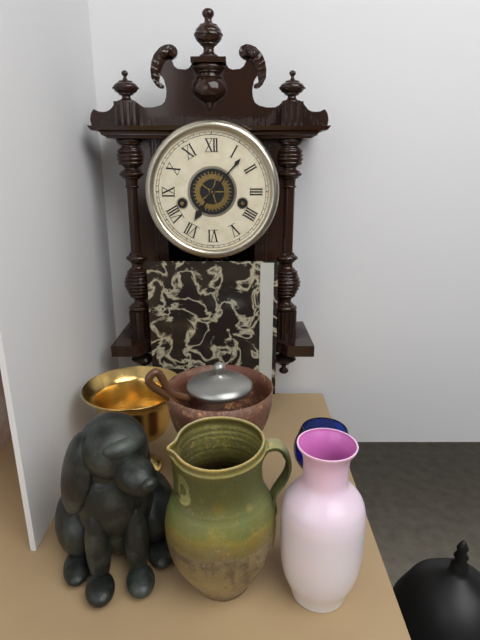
7:07
